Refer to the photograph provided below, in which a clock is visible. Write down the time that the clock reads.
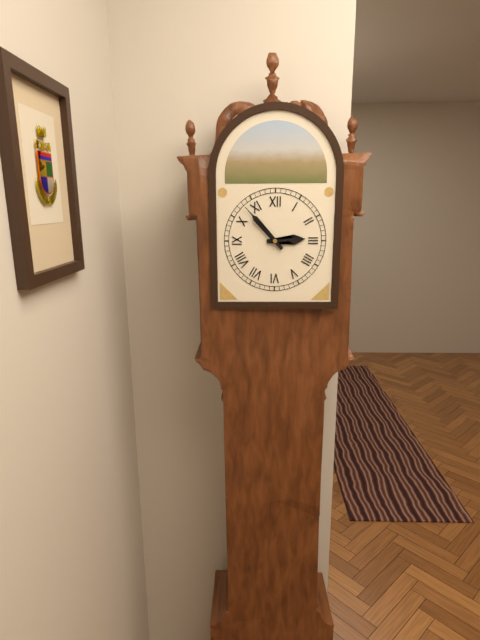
2:53
